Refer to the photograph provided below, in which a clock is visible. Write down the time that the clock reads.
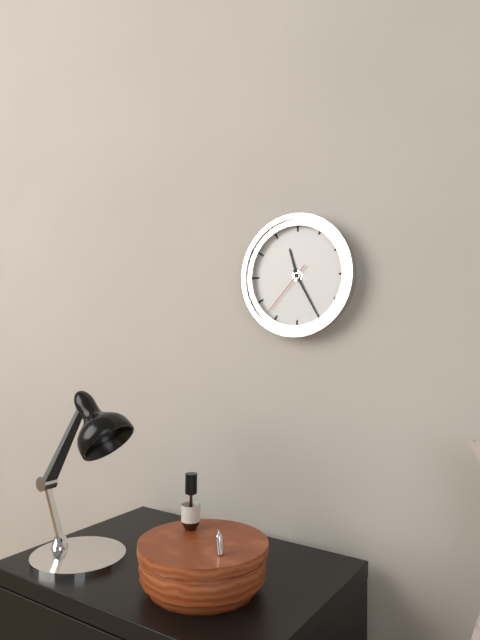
11:25:37
